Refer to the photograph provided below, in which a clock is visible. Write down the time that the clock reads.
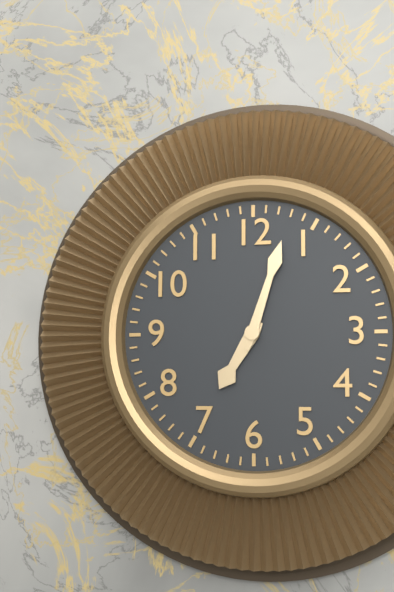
7:03
